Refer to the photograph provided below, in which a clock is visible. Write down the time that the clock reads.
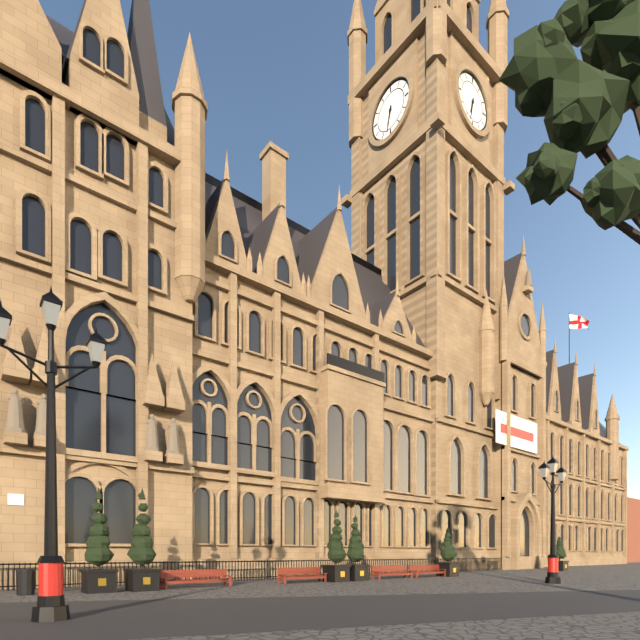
6:32
